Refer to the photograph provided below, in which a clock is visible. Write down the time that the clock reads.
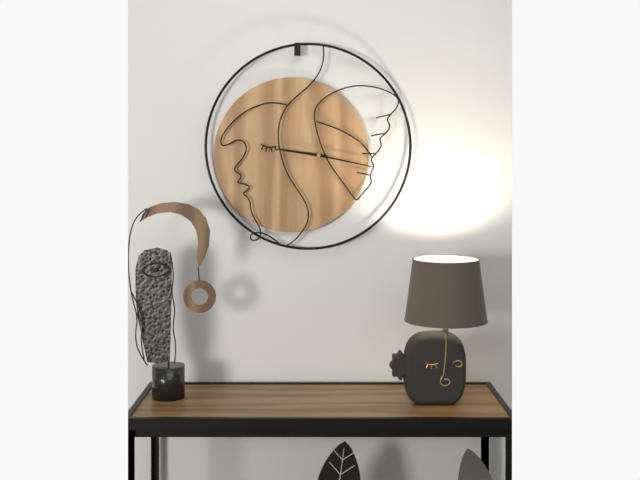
9:17
